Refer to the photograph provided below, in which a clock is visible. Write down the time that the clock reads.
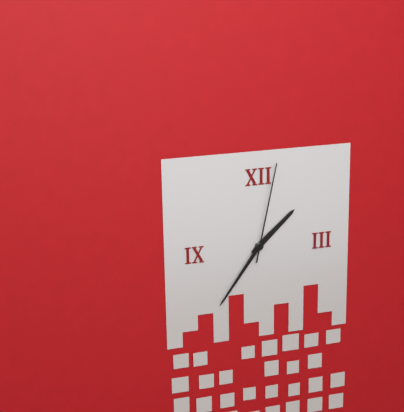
1:36:02
